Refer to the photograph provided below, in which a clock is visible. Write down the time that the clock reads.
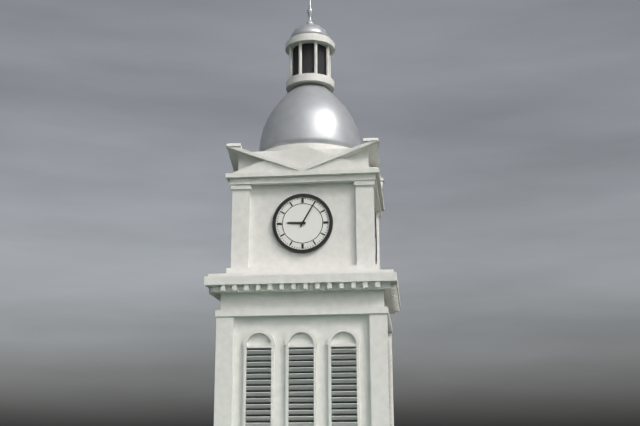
9:05
